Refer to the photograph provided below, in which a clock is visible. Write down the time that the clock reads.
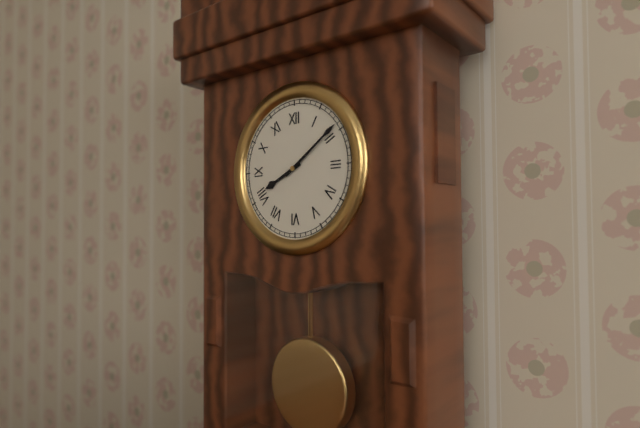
8:09
